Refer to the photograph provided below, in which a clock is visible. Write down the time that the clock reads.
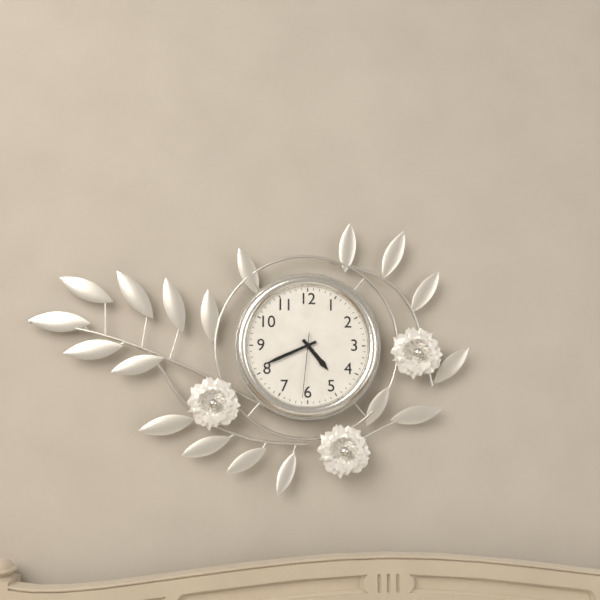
4:41:31
